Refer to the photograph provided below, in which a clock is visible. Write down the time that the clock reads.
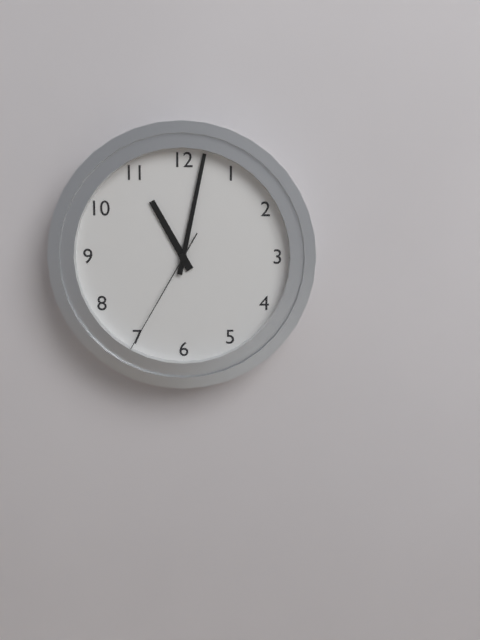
11:02:35
